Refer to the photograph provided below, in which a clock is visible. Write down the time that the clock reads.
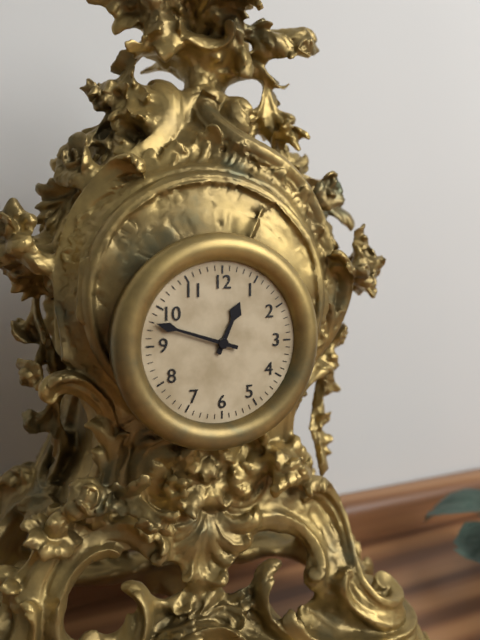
12:48
